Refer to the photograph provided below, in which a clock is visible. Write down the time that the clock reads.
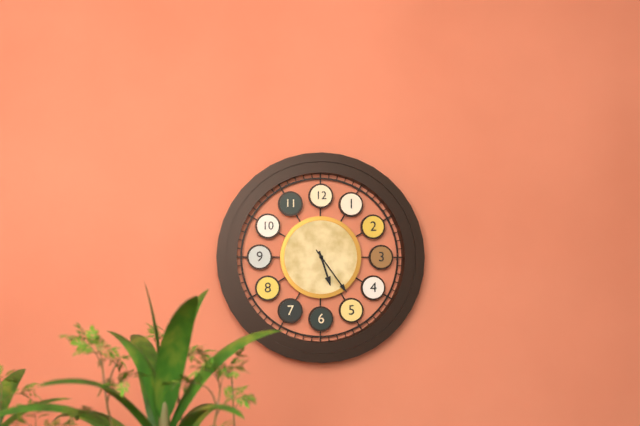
5:24
